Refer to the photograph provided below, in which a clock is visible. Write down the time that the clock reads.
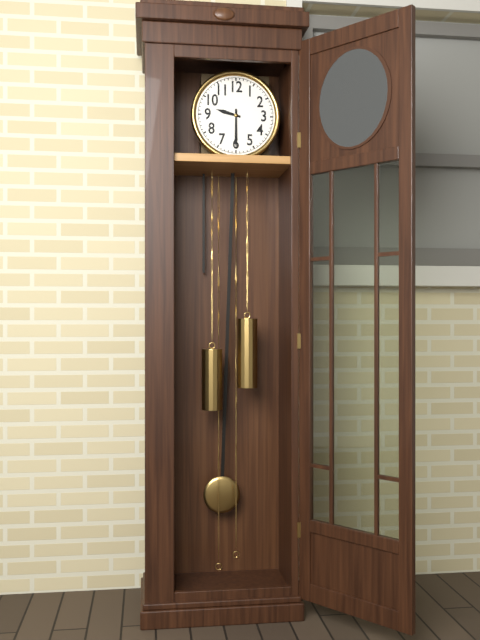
9:30
